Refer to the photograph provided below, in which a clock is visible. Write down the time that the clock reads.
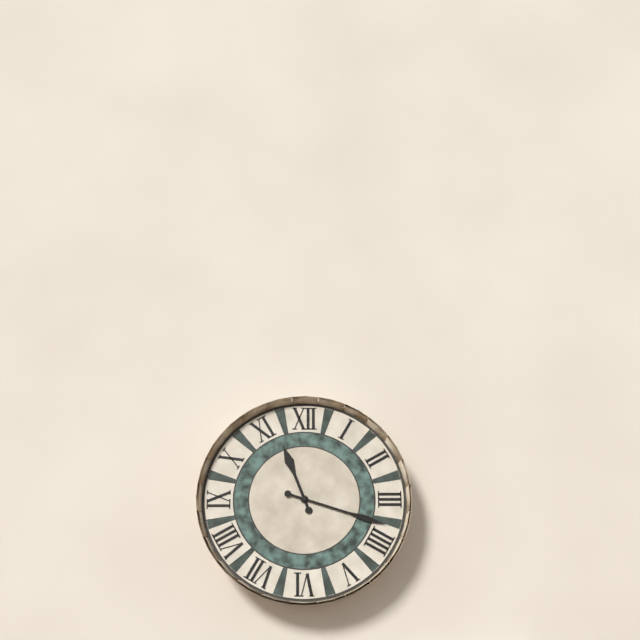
11:18
